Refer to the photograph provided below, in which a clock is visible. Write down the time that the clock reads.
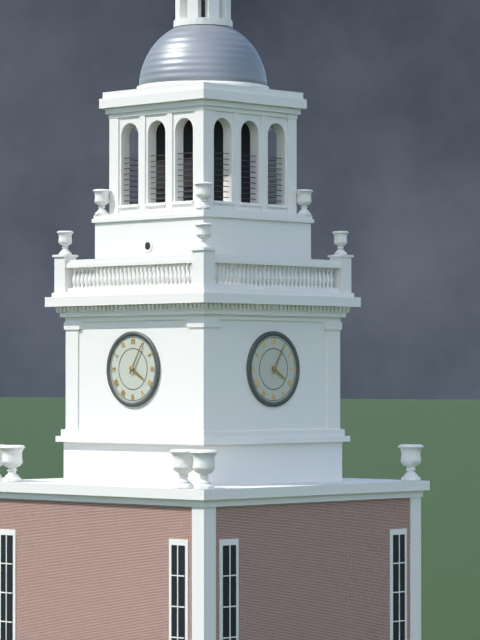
4:05
